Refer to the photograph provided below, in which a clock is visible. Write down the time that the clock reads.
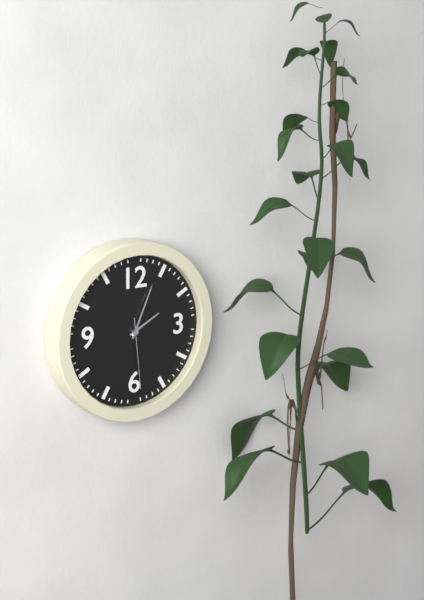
2:04:29
